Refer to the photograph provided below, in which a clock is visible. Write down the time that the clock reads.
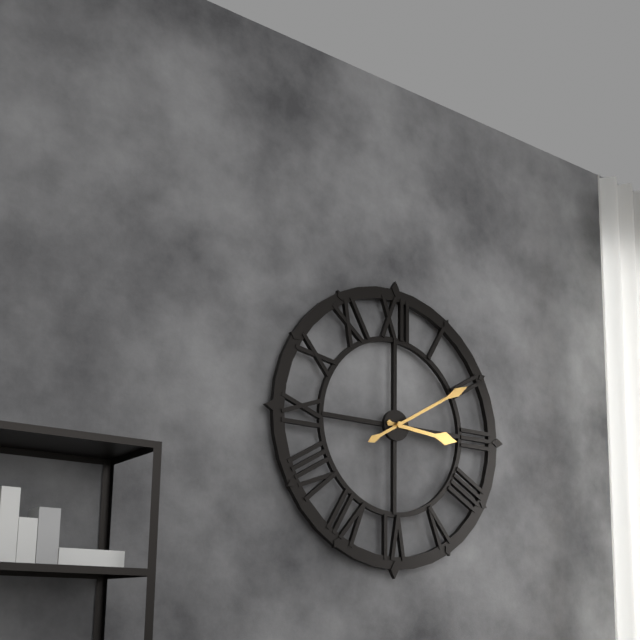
3:10
